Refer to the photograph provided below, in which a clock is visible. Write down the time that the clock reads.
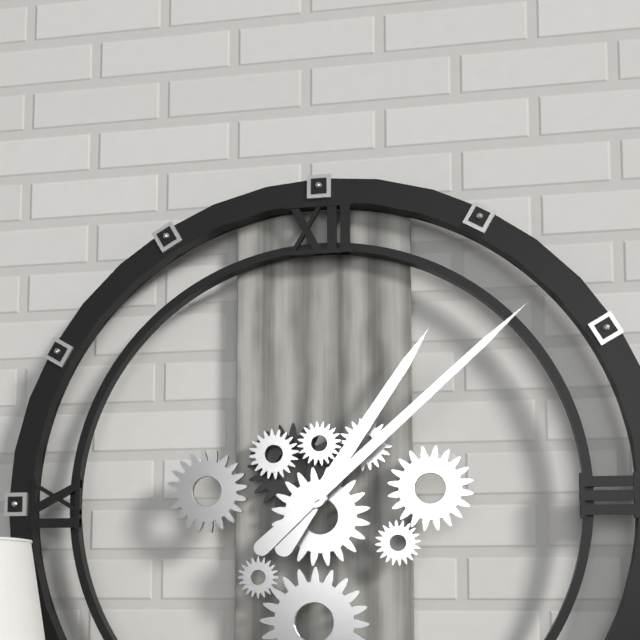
1:08
